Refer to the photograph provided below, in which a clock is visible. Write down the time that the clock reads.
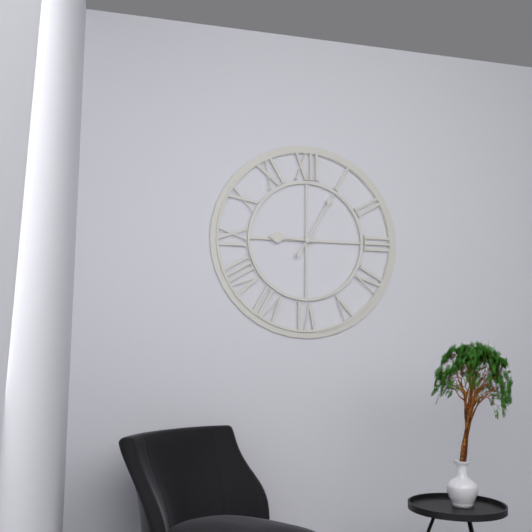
9:05
